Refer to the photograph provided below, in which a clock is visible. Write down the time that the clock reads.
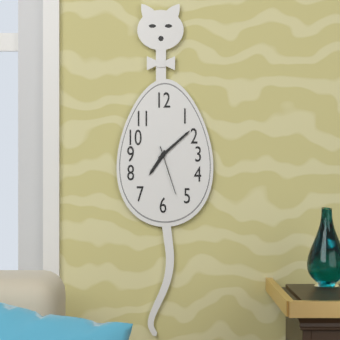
7:08:27
